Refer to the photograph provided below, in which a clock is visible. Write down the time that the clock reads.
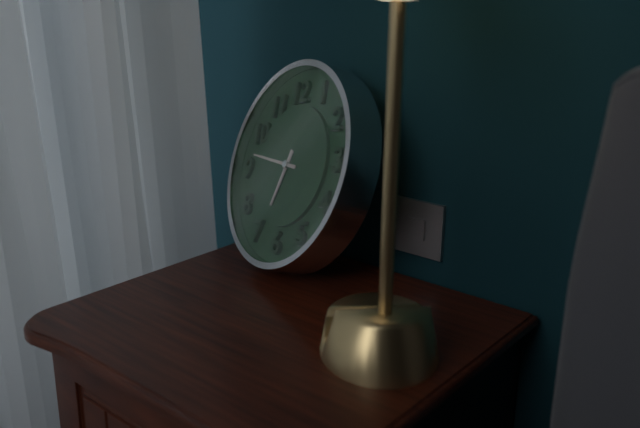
6:47
